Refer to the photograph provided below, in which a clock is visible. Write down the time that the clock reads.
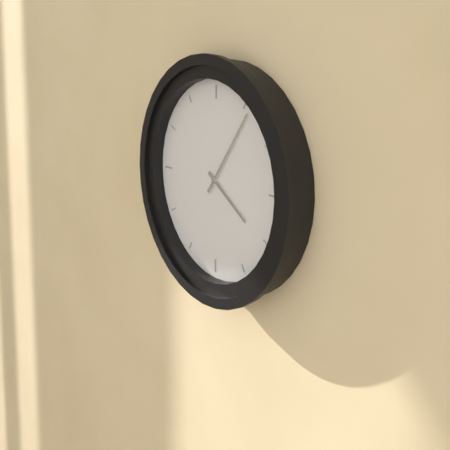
4:06
